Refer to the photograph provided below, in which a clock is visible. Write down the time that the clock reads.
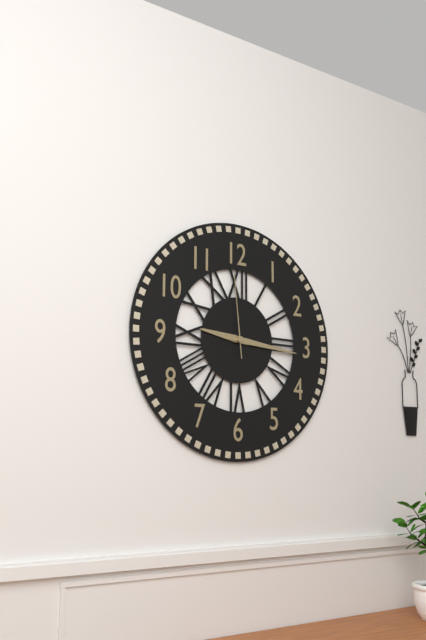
9:16:59
